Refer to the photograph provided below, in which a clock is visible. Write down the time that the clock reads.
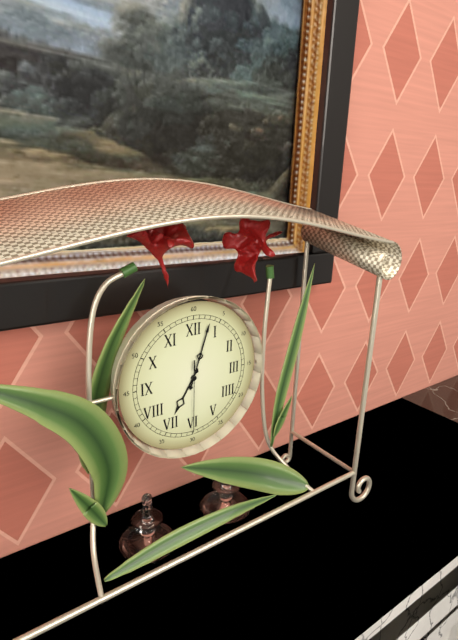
7:03:30
